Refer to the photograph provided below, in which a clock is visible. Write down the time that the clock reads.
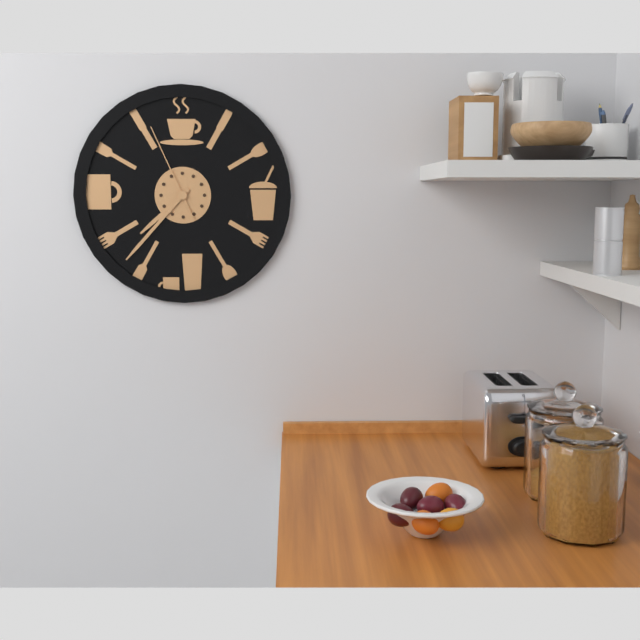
7:37:56
